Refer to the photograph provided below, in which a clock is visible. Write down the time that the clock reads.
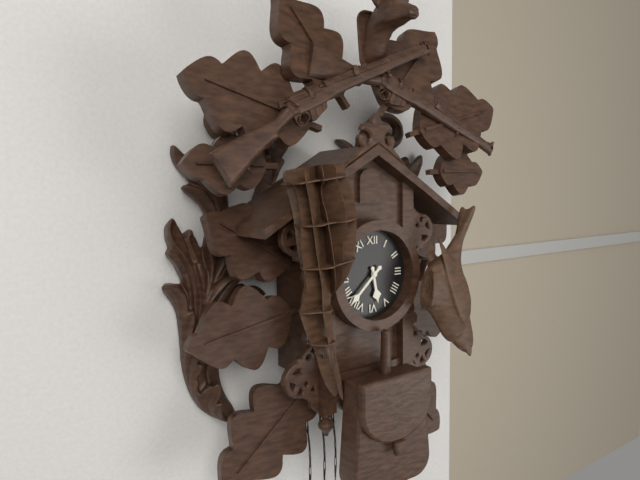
5:38
